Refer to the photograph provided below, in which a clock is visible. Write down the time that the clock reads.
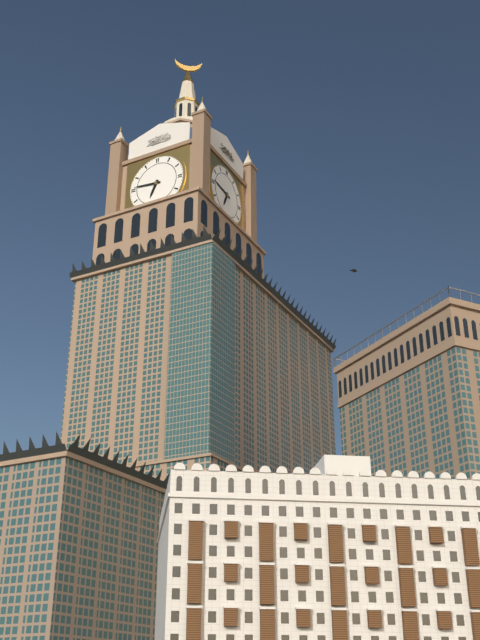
6:46
